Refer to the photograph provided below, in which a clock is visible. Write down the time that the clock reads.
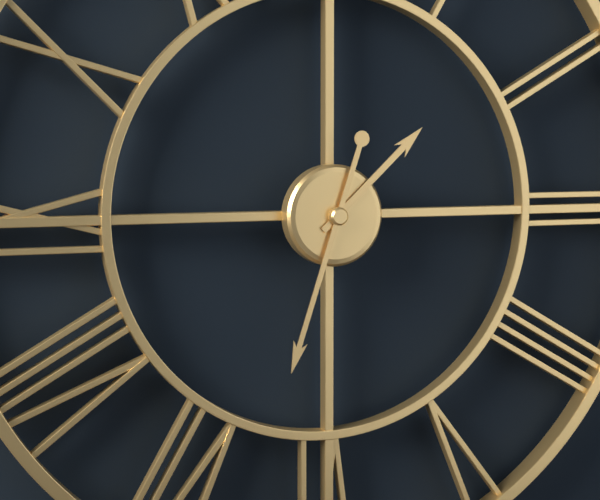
1:33
